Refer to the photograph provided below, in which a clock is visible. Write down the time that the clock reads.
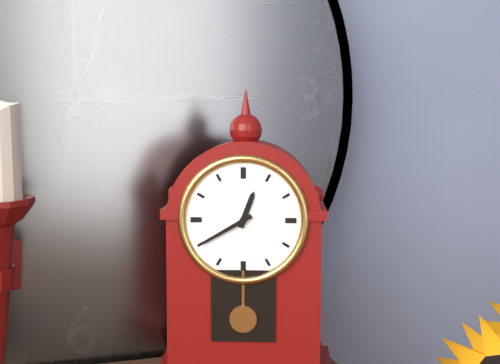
12:40
